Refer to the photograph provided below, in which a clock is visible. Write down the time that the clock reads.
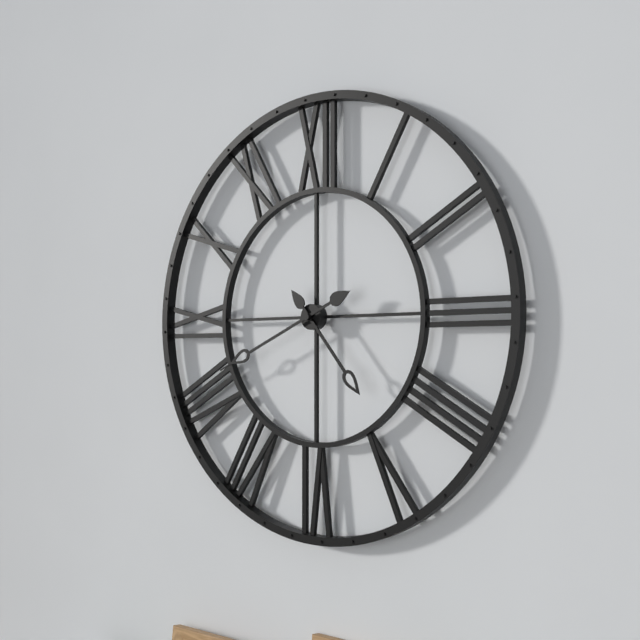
4:41
